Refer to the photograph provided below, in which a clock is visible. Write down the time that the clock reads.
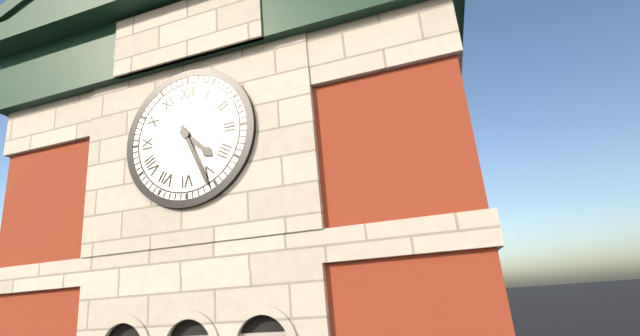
4:26
